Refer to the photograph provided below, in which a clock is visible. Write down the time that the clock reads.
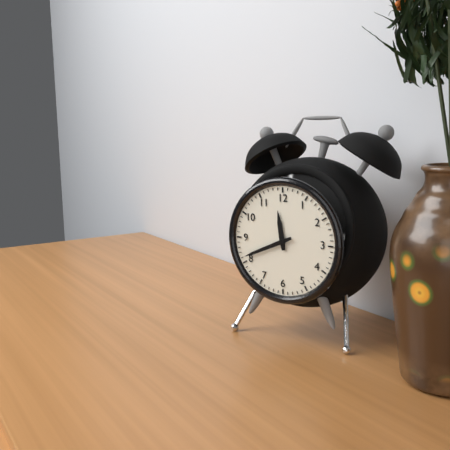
11:41
